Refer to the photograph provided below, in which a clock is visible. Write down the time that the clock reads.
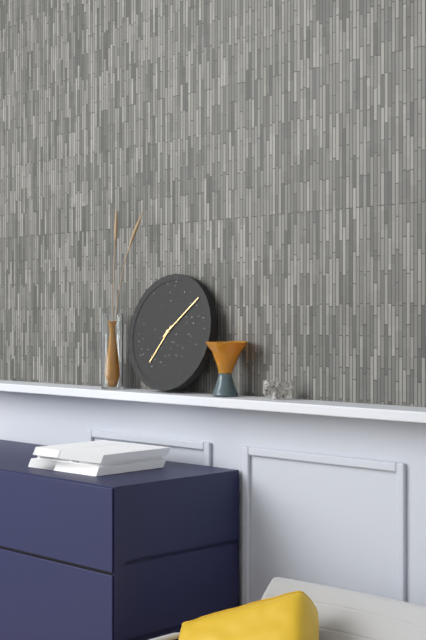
7:08
